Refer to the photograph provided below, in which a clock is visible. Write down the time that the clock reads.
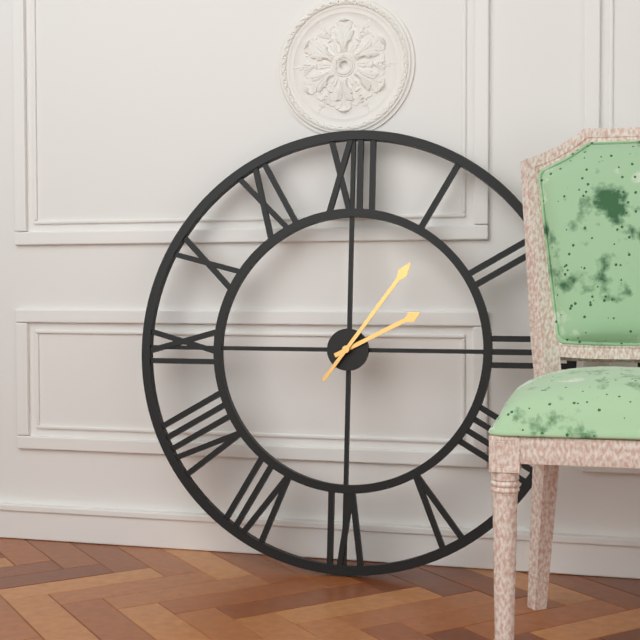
2:06
